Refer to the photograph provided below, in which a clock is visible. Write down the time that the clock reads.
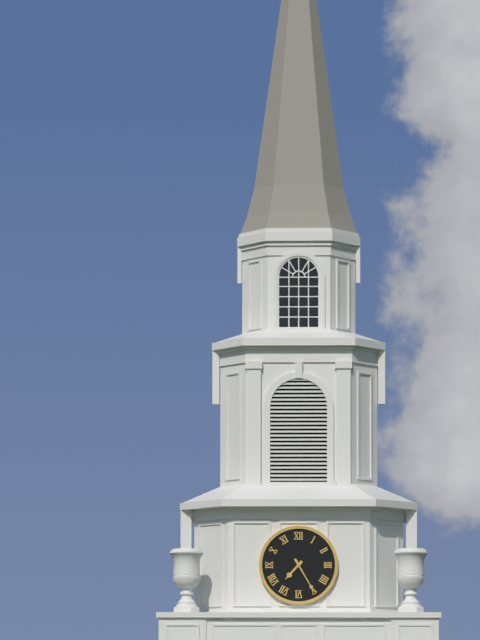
7:25
